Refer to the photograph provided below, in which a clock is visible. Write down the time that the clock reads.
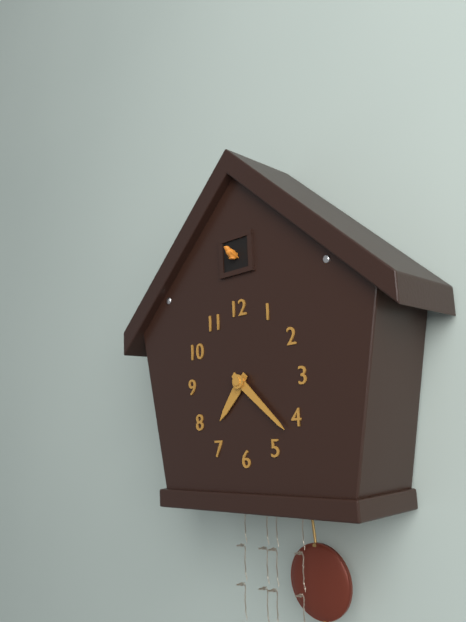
7:22
